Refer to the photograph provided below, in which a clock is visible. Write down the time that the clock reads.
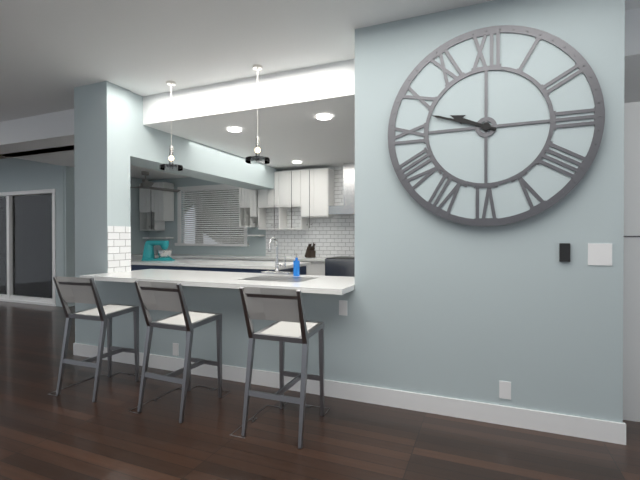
9:48
